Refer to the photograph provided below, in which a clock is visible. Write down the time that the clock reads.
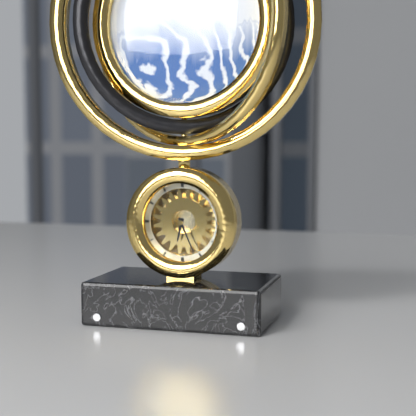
6:26
